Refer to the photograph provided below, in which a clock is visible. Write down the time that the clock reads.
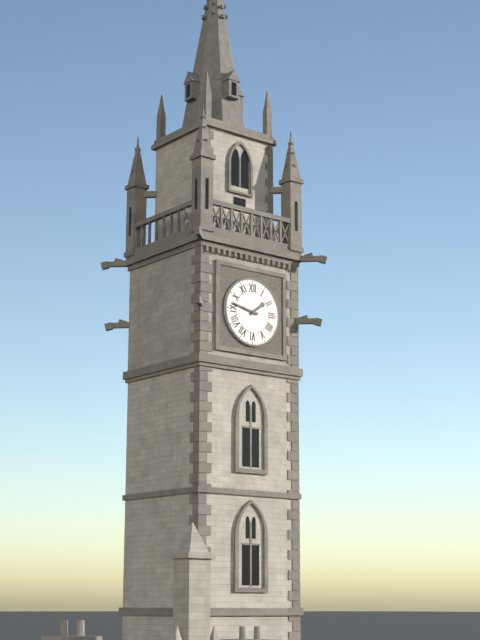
1:47
